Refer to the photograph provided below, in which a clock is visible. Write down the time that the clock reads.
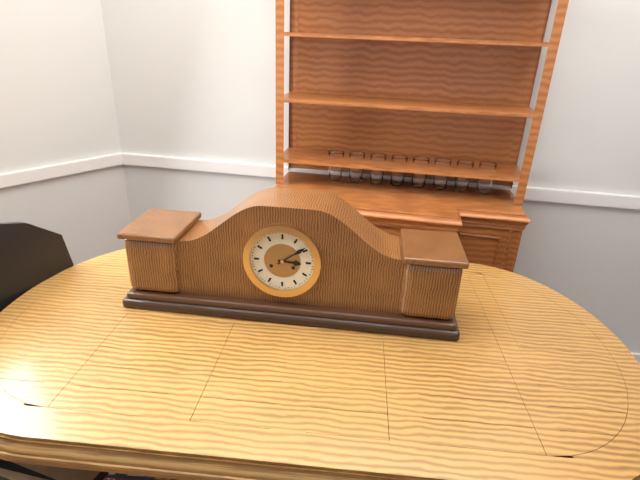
3:09
